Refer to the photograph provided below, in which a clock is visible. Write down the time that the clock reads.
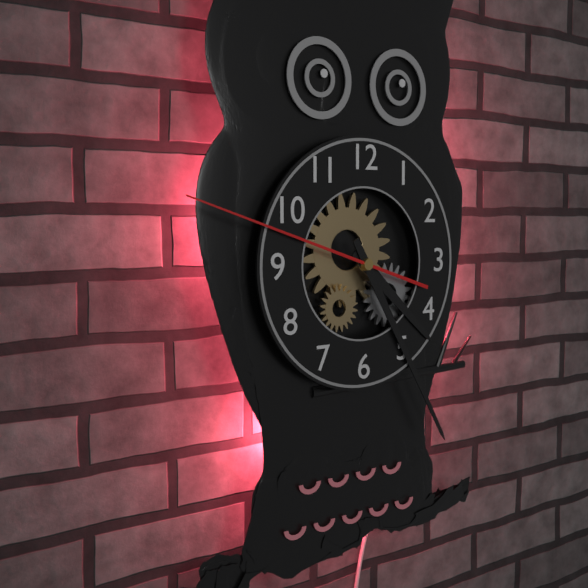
4:25:48
